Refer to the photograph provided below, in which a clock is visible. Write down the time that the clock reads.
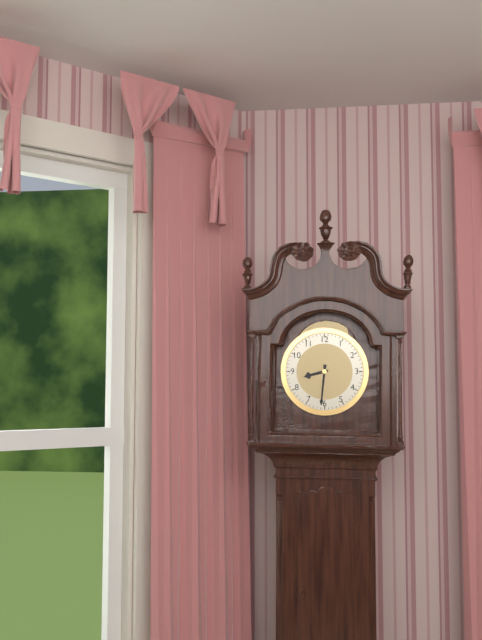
8:31
